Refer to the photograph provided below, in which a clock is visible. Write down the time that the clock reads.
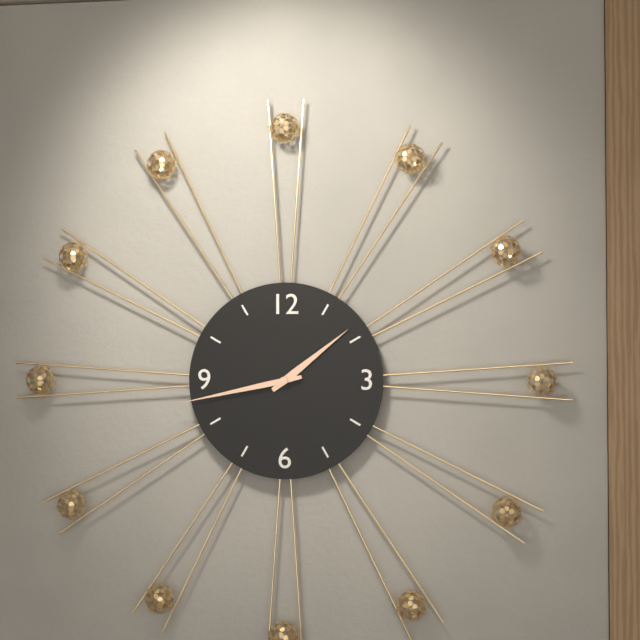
1:43
